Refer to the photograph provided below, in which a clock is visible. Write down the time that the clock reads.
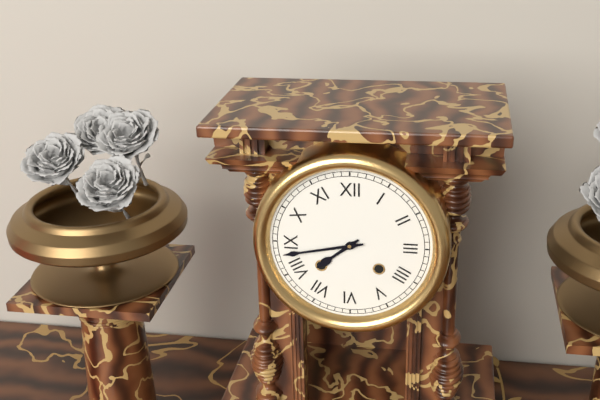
7:43
